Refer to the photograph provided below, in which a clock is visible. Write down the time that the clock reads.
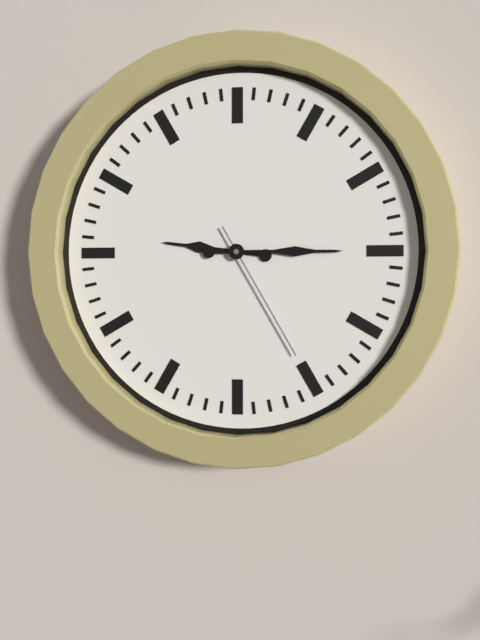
9:15:25
